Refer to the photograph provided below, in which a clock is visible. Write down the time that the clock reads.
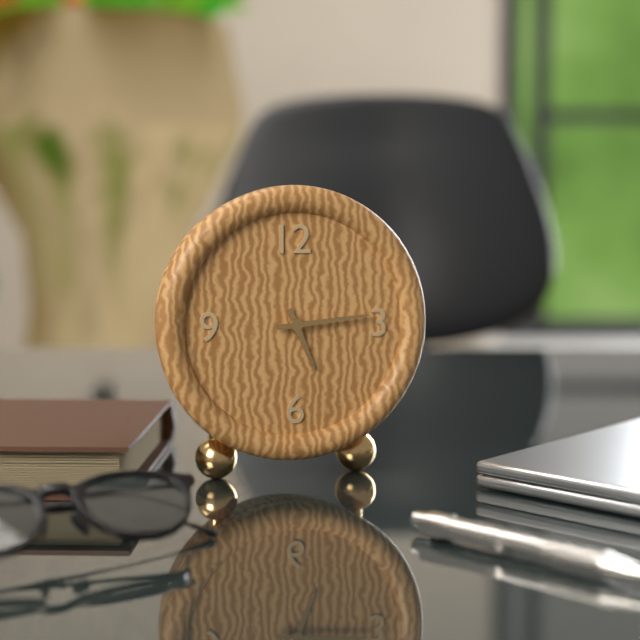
5:14
